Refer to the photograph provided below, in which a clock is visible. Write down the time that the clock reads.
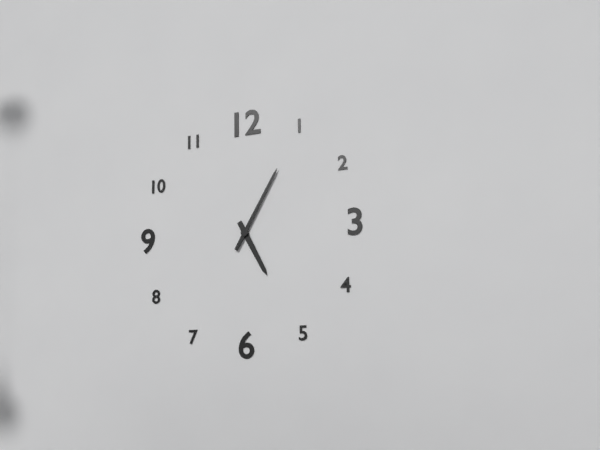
5:05
